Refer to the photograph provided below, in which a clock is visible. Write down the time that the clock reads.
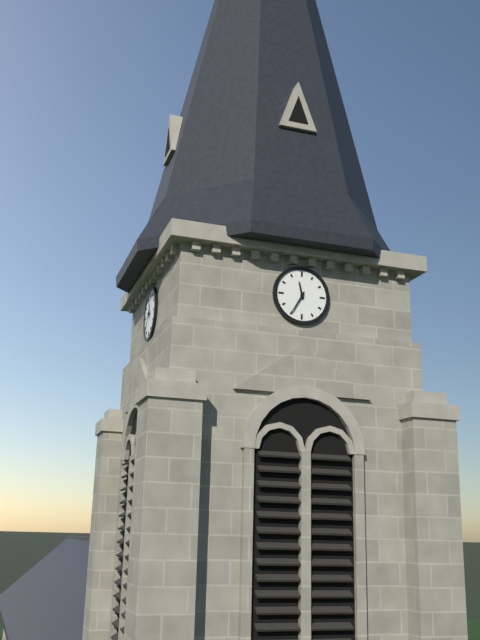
11:35
